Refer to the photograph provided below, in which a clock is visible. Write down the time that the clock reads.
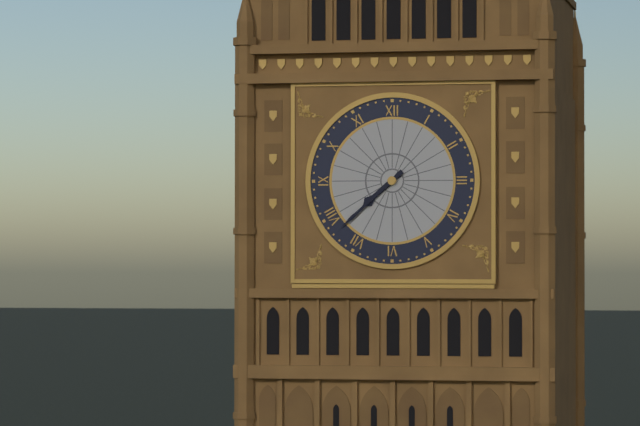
7:38
